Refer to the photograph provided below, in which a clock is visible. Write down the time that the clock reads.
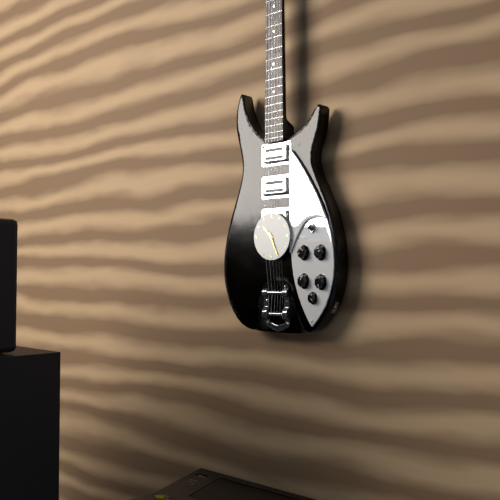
10:26
